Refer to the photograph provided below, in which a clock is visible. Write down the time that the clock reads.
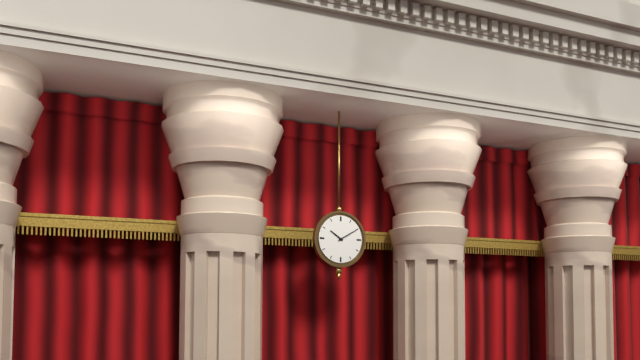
10:10
